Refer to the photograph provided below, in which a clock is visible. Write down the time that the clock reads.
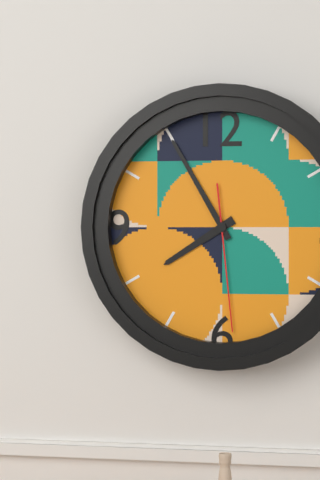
7:55:29
